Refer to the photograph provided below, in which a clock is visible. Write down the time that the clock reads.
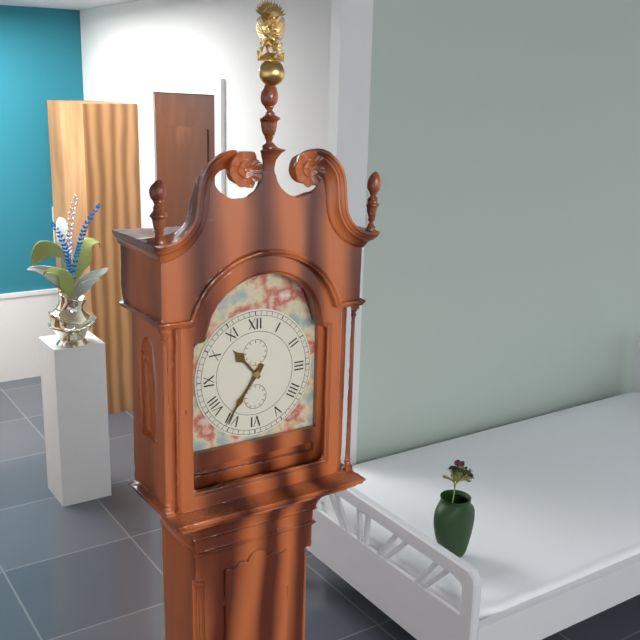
10:36
